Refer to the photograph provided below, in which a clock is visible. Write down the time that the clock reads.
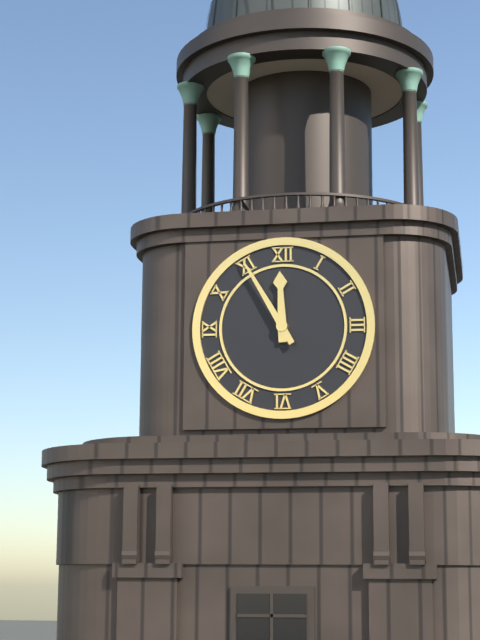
11:55
